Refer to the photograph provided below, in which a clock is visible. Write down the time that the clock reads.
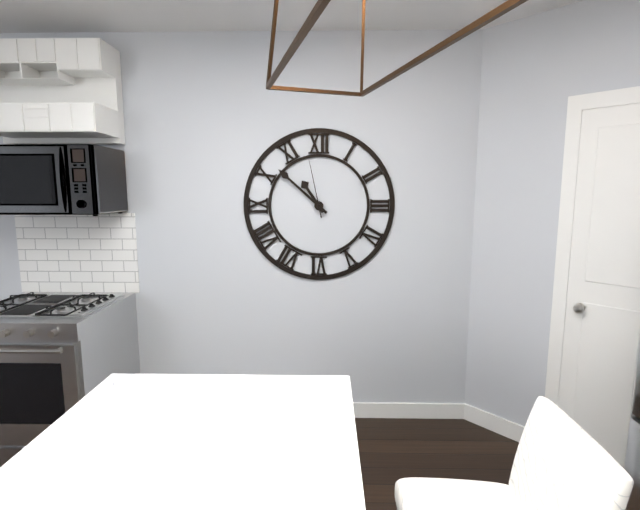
10:52:58
